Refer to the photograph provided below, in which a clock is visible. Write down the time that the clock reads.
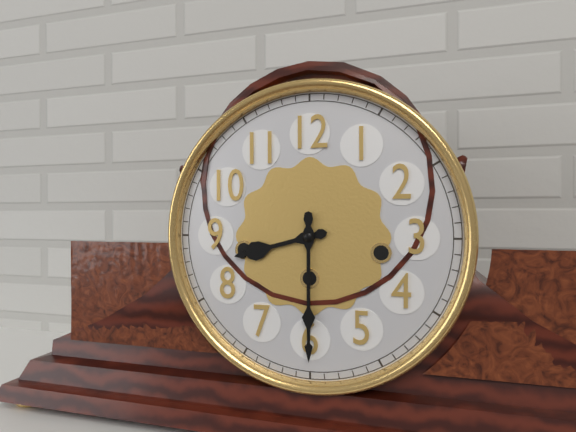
8:30
